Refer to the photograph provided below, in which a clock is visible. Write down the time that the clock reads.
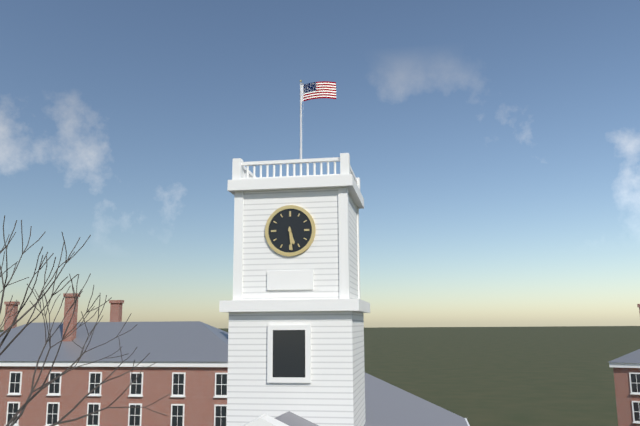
5:29
